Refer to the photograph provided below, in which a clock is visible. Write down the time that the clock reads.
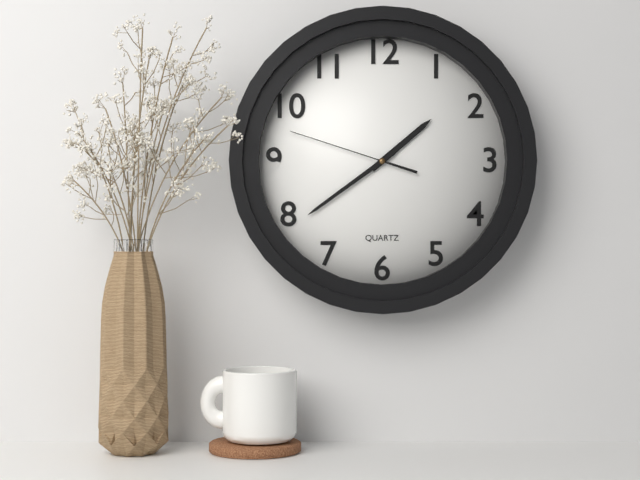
1:39:48
